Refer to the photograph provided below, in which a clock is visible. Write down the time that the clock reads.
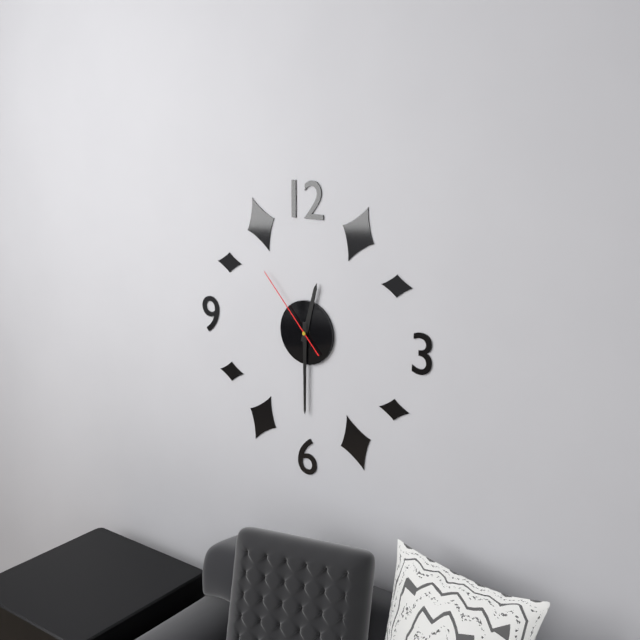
12:30:53
